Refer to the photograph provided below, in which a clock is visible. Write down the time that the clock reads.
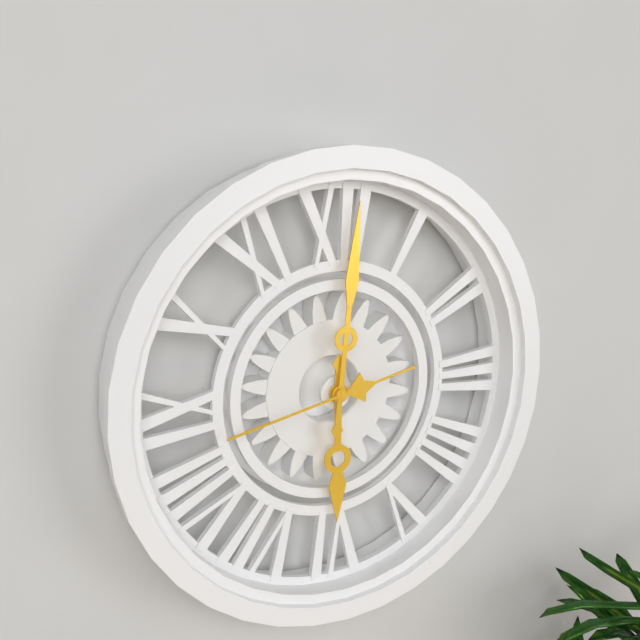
6:01:43
